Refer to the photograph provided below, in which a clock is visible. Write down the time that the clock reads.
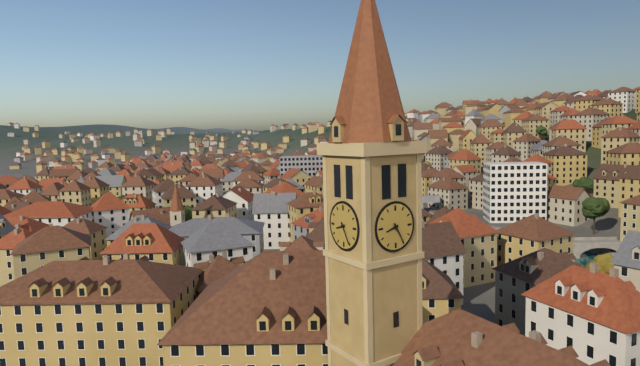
8:25
